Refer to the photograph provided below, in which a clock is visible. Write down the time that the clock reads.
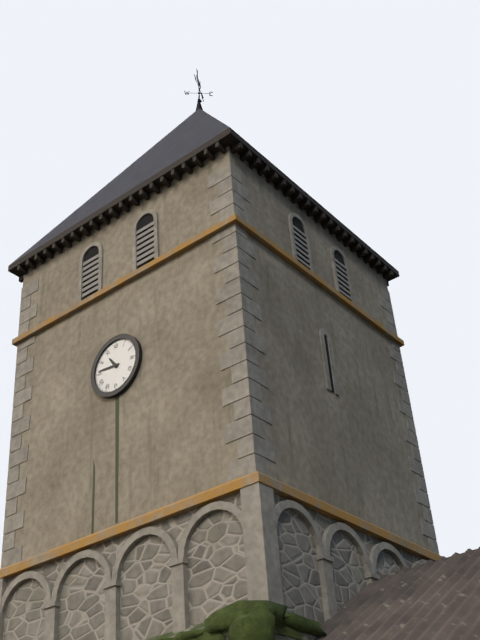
10:46
